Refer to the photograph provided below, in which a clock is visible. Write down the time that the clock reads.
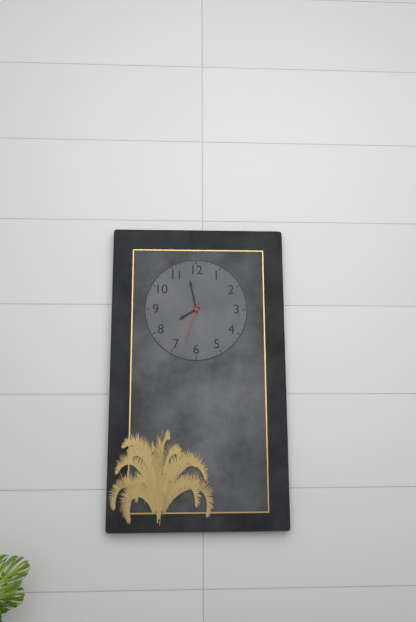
7:58
